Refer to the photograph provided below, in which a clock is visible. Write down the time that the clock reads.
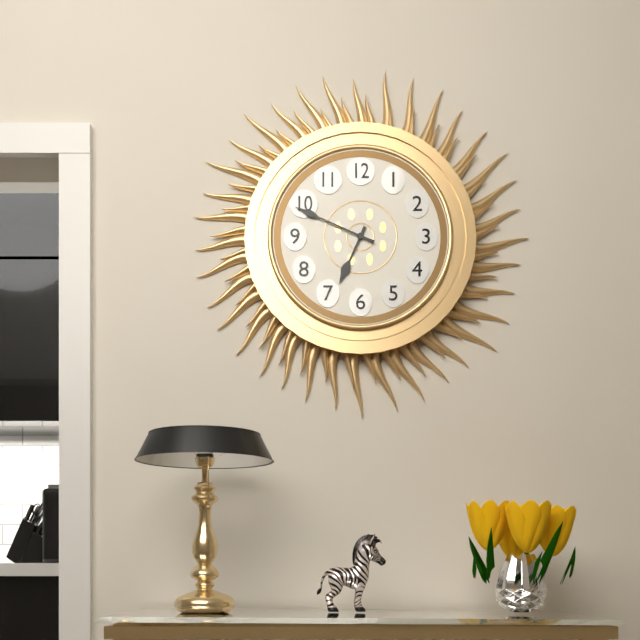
6:49
